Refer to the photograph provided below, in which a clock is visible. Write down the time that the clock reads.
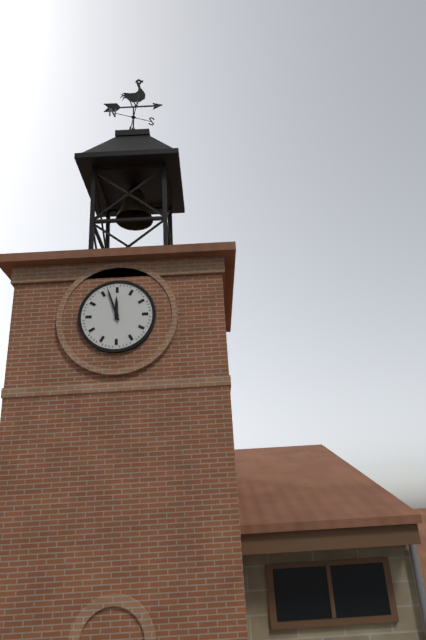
11:57
